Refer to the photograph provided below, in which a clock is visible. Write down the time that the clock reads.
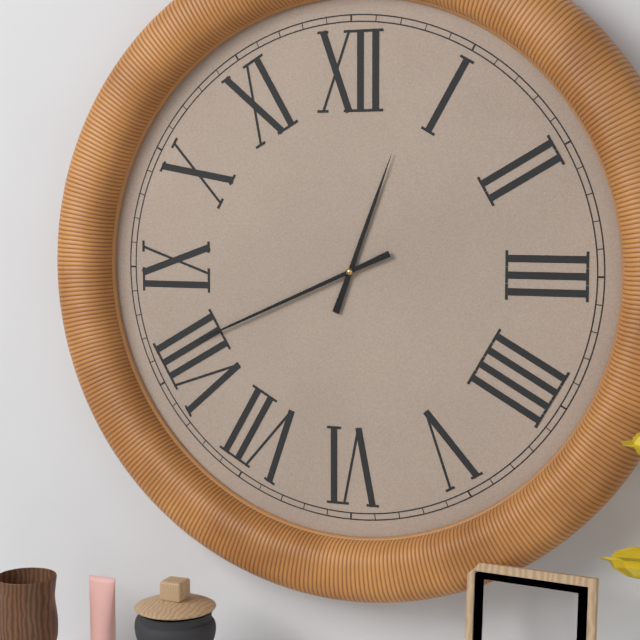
12:41
